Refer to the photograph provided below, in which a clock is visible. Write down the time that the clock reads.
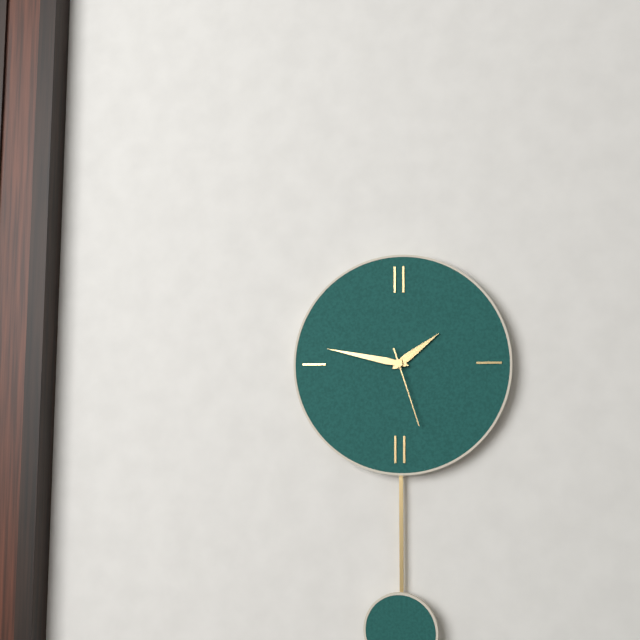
1:47:27
